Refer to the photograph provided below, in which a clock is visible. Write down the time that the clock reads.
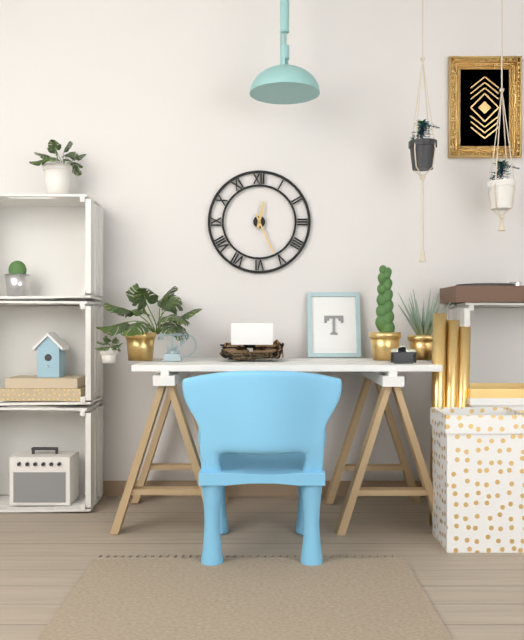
12:26
